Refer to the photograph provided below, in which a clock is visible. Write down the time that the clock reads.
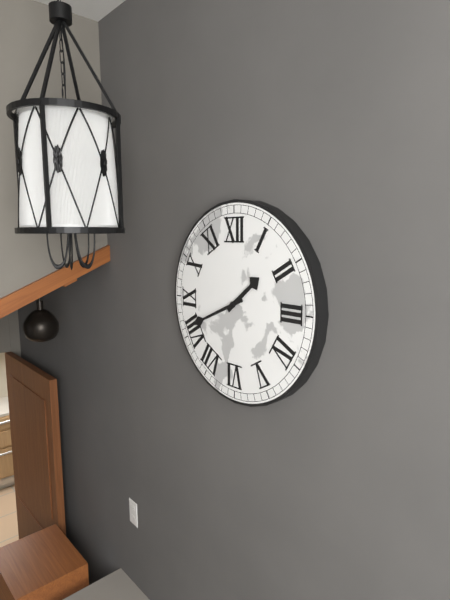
1:41
